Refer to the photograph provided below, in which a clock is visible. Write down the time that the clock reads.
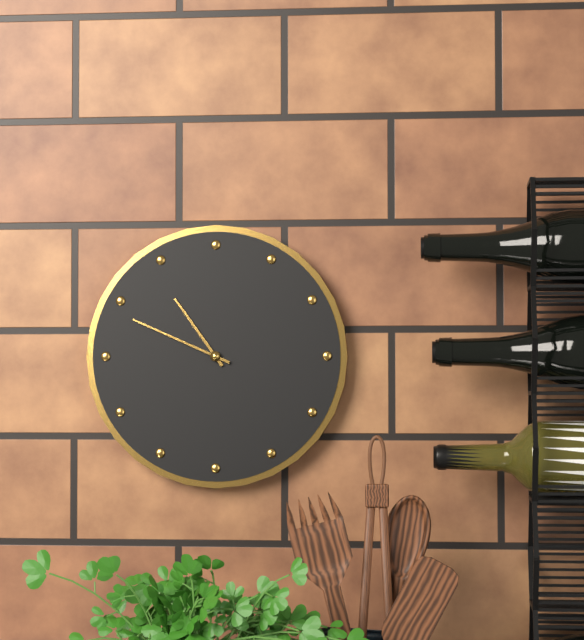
10:49
